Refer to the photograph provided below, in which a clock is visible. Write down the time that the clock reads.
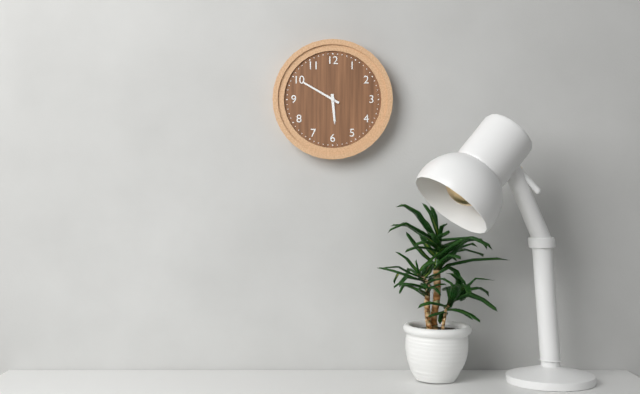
5:50
